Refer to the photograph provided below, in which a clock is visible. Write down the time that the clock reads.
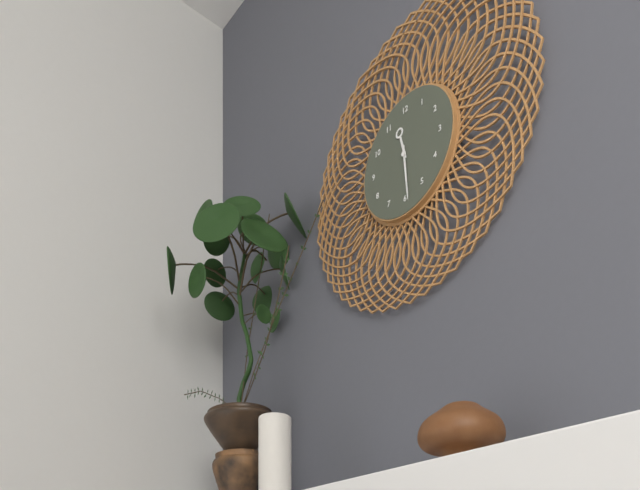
11:29
